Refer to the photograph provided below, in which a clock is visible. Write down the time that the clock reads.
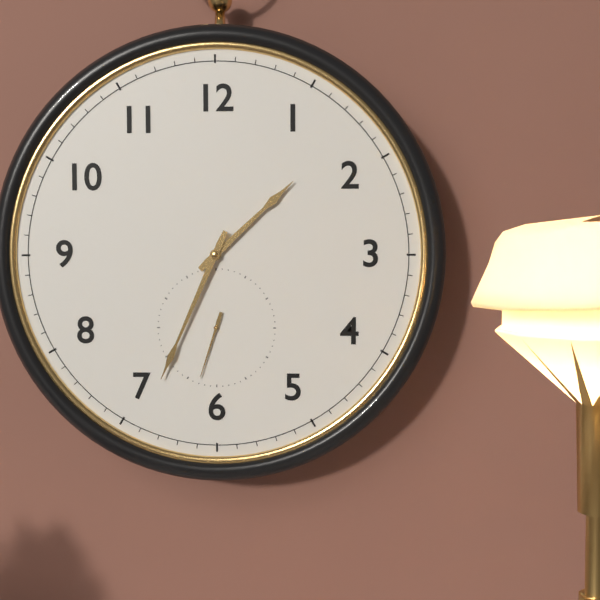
1:34:33
